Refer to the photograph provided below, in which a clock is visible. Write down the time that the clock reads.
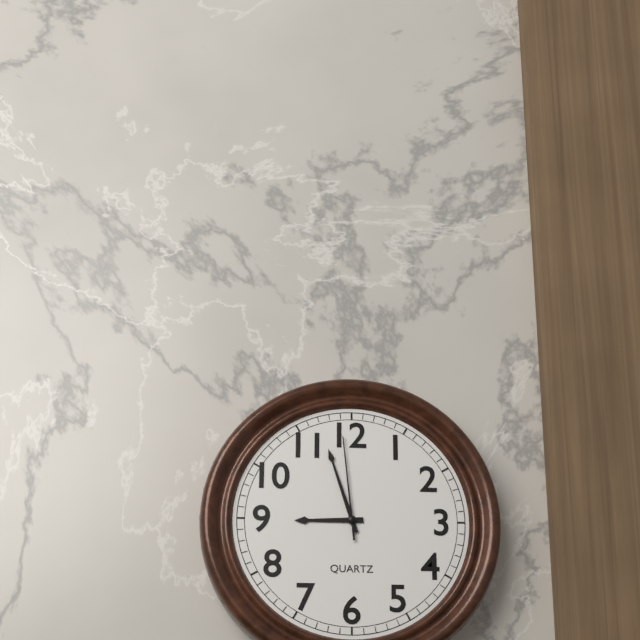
8:57:59
